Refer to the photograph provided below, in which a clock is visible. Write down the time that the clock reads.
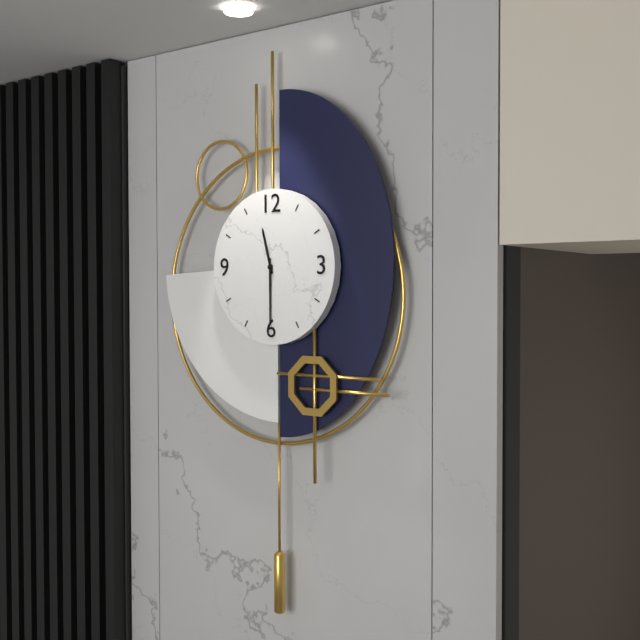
11:30
